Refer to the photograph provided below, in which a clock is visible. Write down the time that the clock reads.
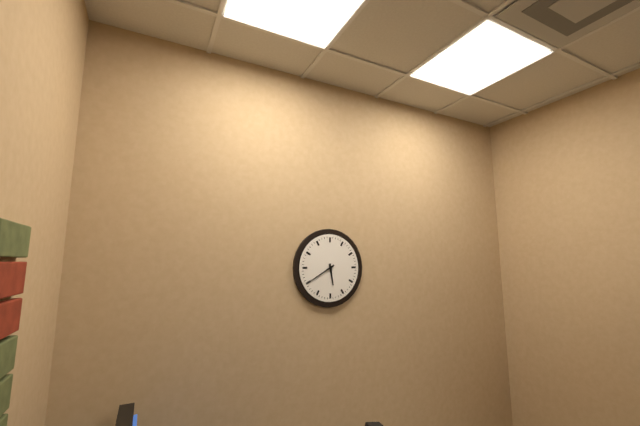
5:40
